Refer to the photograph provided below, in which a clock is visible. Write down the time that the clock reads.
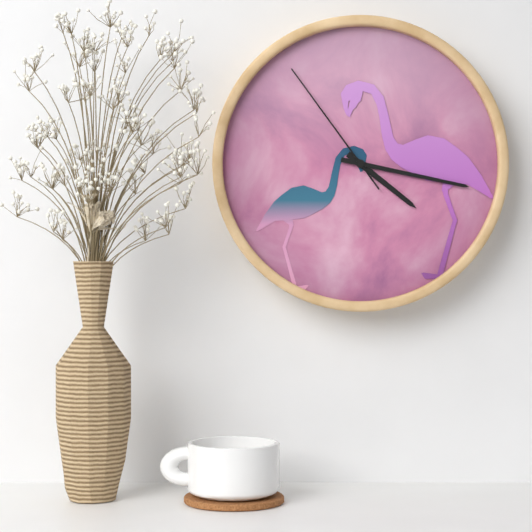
4:17:54
